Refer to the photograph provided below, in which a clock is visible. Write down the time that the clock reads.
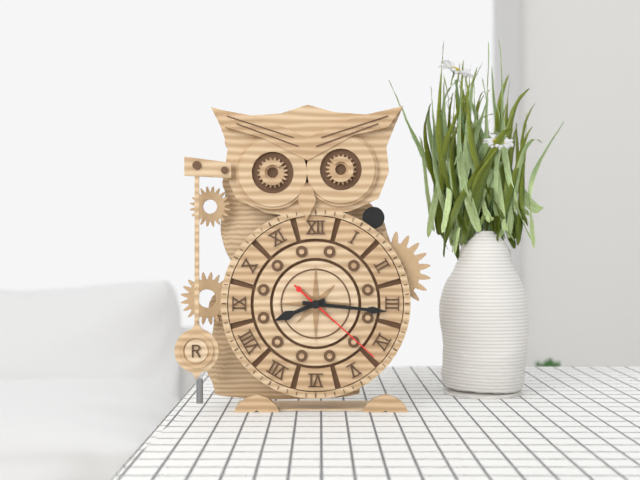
8:16:22
